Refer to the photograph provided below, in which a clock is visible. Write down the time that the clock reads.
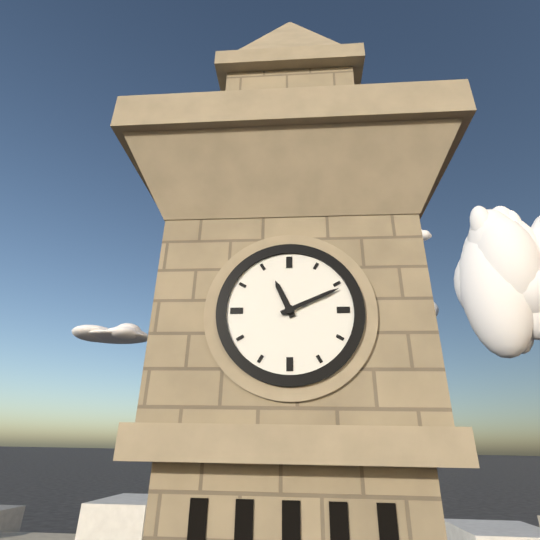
11:11
